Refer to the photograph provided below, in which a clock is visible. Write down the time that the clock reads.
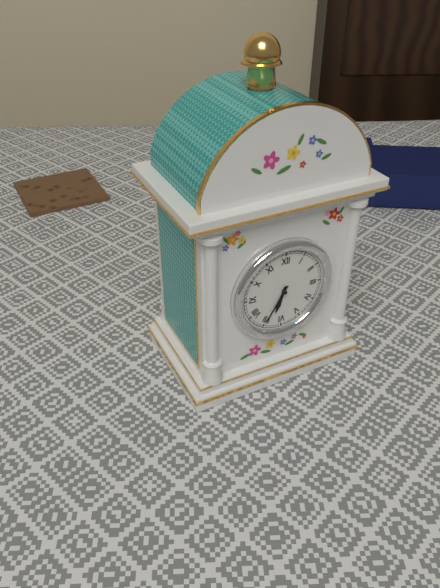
6:35
